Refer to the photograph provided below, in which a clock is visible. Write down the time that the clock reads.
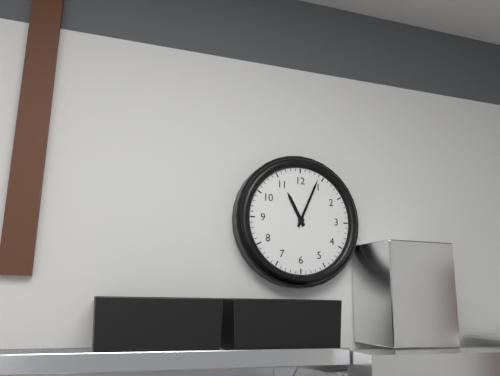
11:04
